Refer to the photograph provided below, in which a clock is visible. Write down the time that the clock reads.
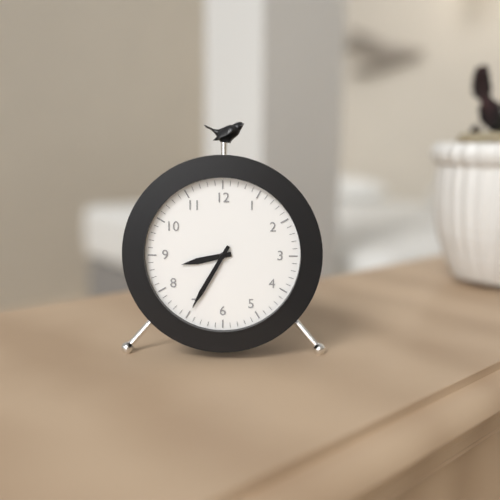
8:35
